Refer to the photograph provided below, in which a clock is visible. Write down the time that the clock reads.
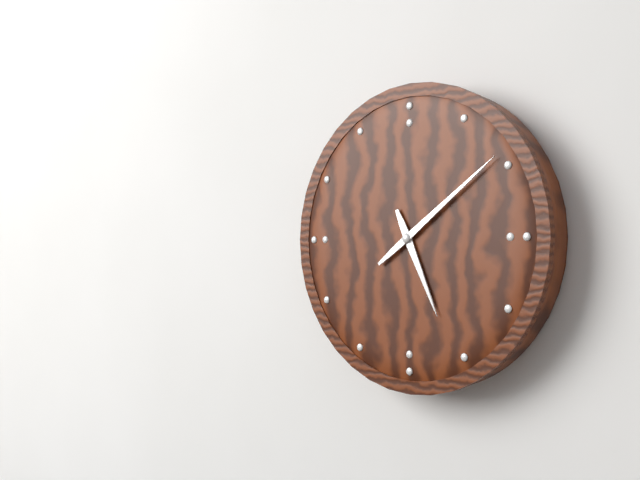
5:09
